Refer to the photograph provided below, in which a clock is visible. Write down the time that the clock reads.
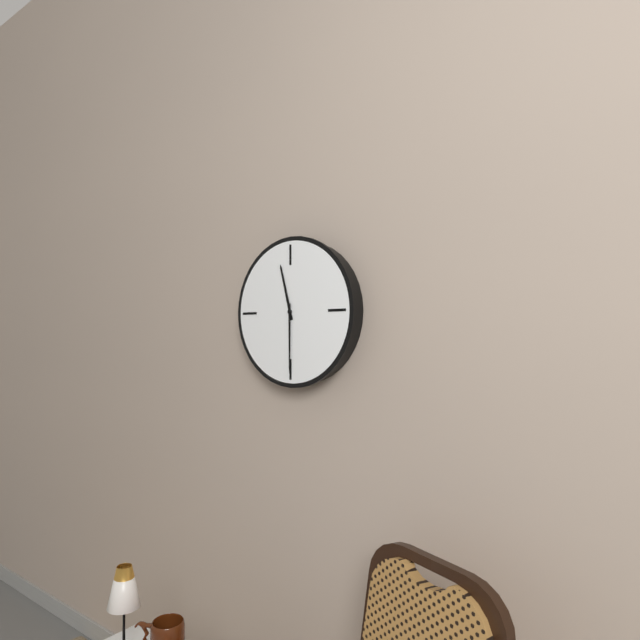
11:30
